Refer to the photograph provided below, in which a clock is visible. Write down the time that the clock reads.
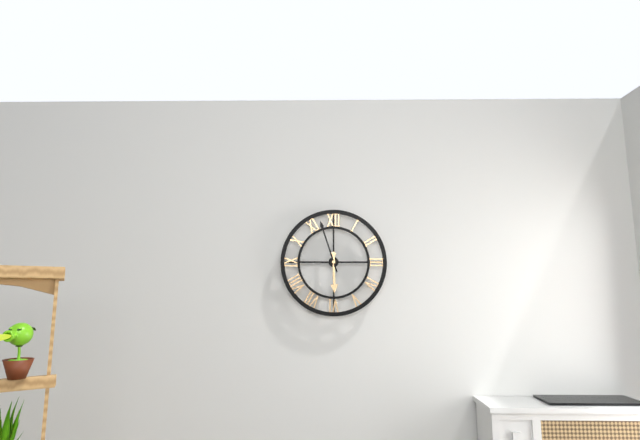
5:57
